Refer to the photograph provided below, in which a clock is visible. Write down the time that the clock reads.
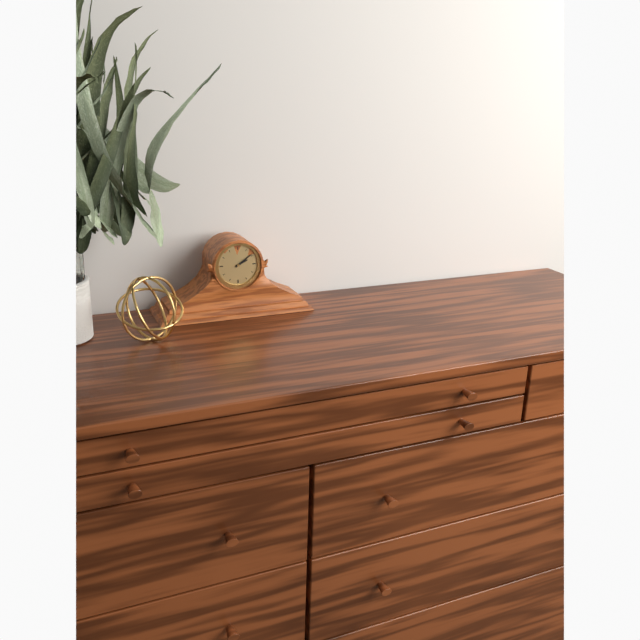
2:09
